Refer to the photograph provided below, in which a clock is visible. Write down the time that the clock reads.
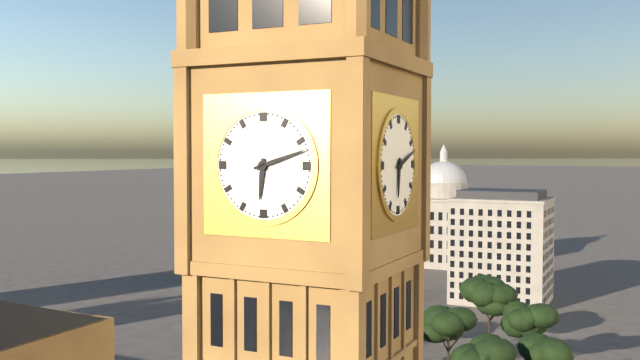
6:12
